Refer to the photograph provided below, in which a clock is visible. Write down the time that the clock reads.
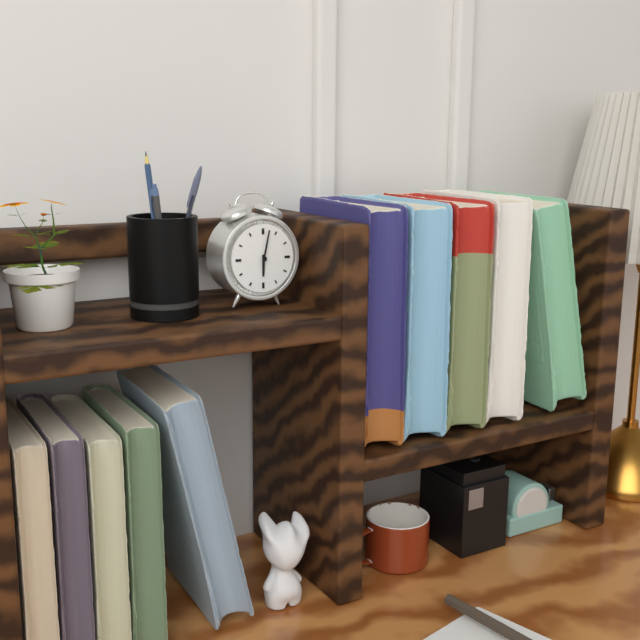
6:02
